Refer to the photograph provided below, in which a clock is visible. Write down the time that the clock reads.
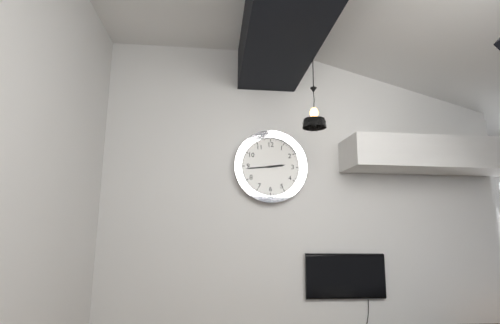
2:44
